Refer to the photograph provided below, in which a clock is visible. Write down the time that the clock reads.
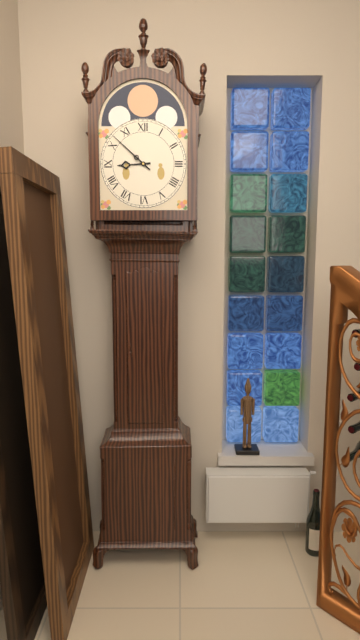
8:52
